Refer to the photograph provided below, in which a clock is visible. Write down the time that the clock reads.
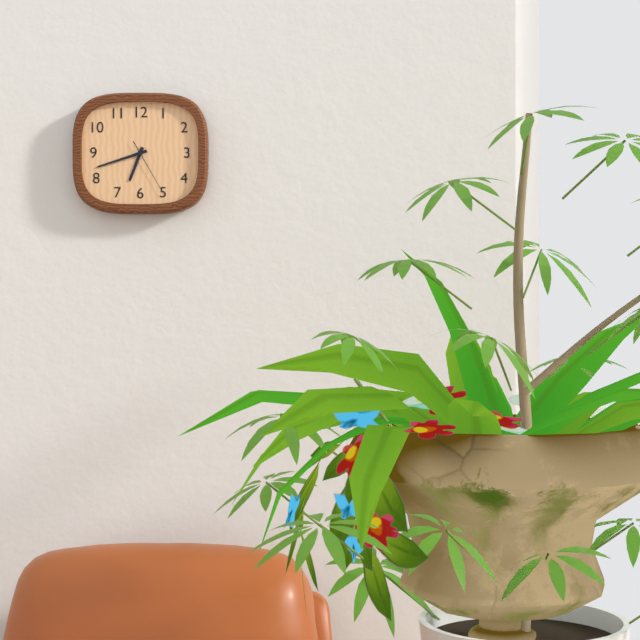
6:42:25
